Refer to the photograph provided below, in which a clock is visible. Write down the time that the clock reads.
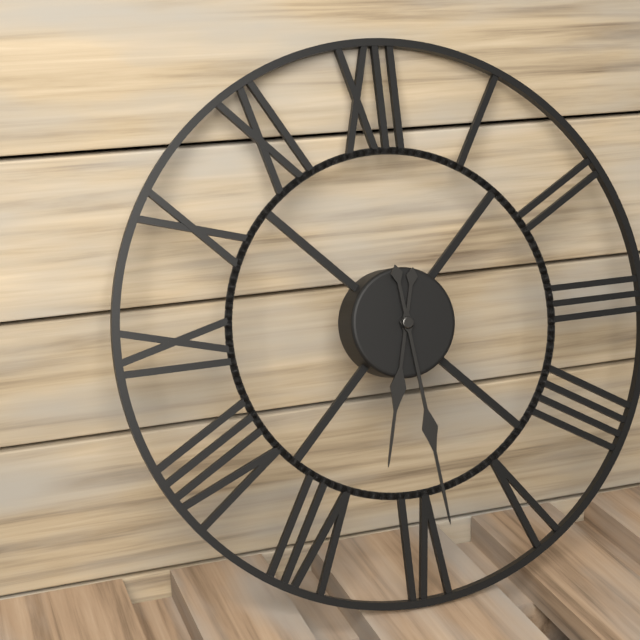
6:29
